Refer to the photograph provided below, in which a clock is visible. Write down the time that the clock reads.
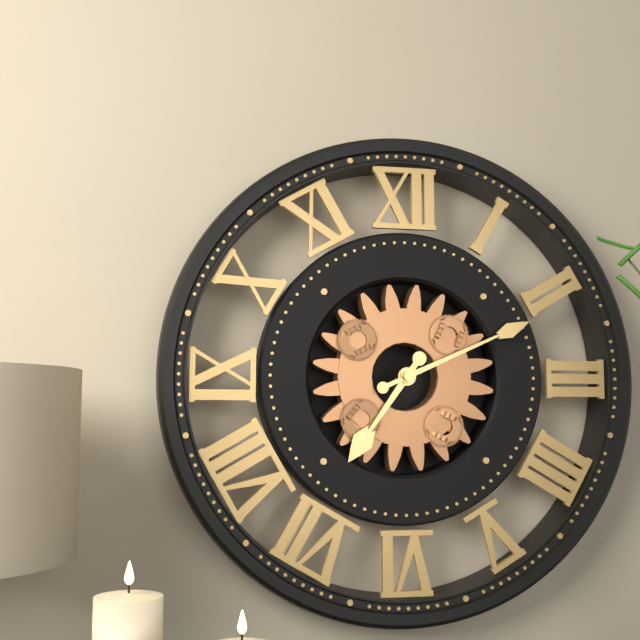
7:11
